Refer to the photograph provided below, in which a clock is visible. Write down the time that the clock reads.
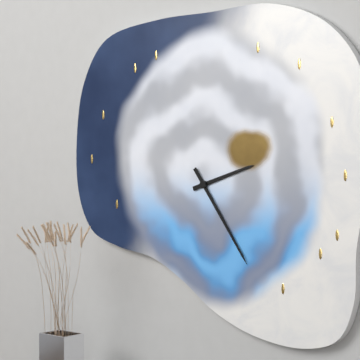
2:24
